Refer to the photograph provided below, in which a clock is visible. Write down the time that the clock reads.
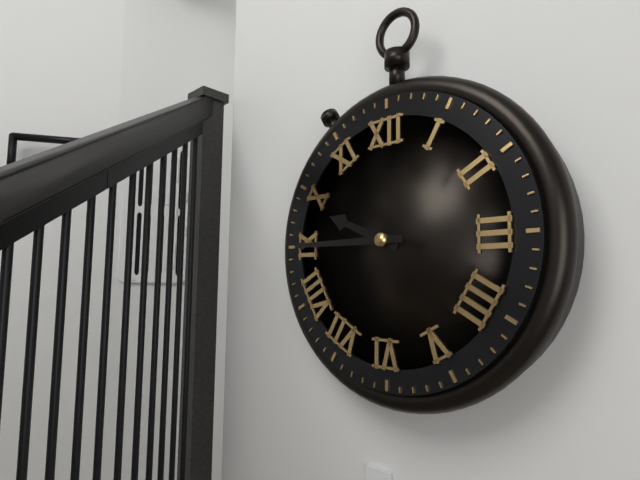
9:45
